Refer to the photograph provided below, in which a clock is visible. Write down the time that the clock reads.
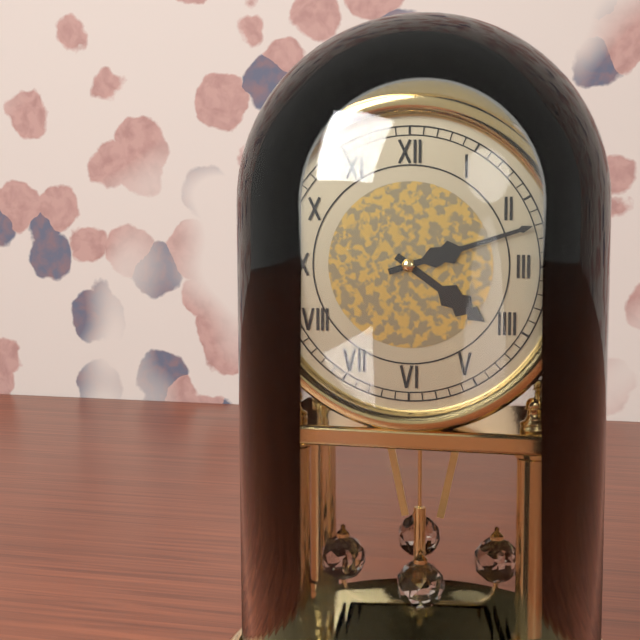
4:12
